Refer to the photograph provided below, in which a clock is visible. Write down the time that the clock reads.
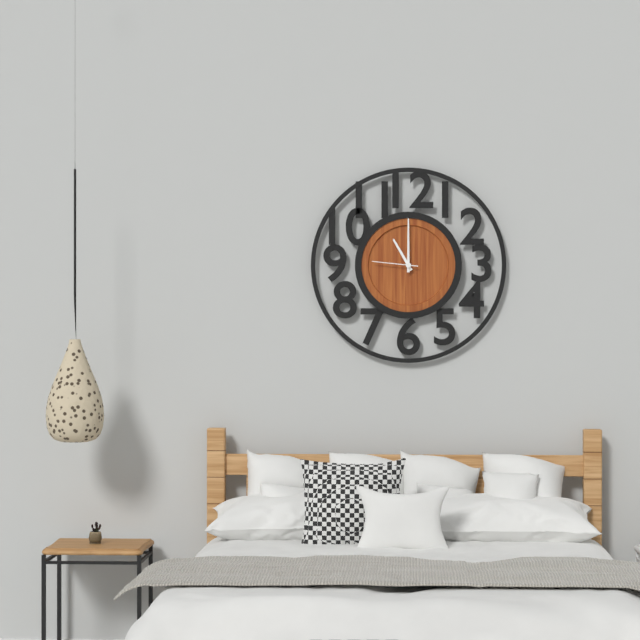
11:00
